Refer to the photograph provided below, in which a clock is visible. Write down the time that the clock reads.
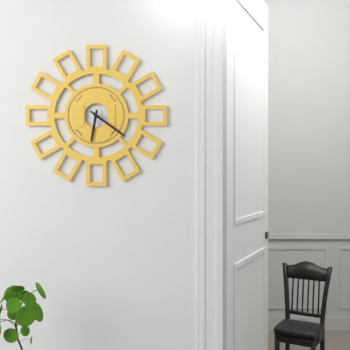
6:21
